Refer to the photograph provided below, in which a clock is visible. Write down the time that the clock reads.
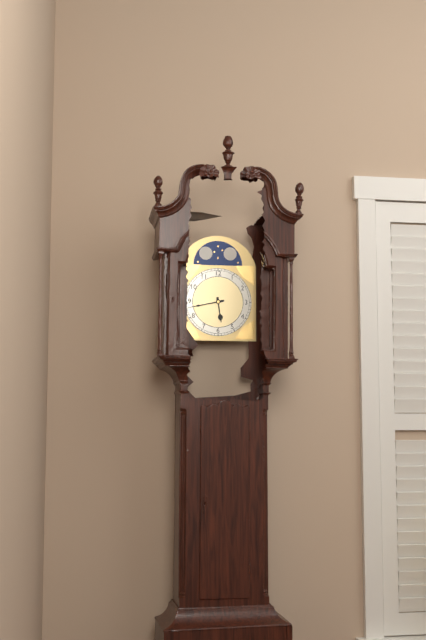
5:43
